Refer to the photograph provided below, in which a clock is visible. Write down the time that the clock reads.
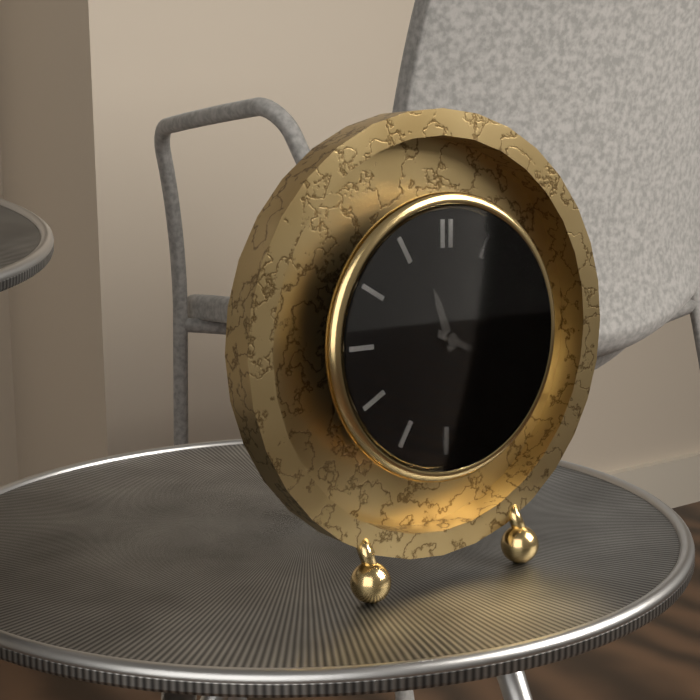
11:19
